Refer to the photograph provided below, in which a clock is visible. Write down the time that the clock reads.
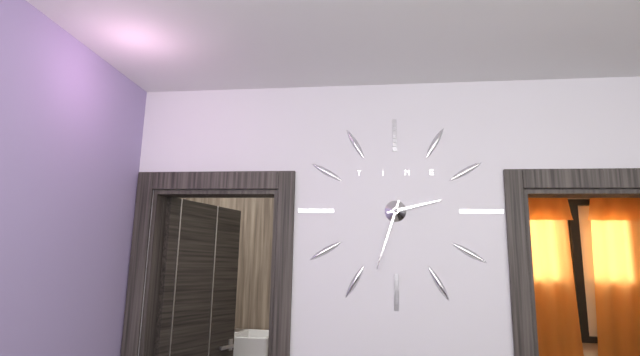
2:33
